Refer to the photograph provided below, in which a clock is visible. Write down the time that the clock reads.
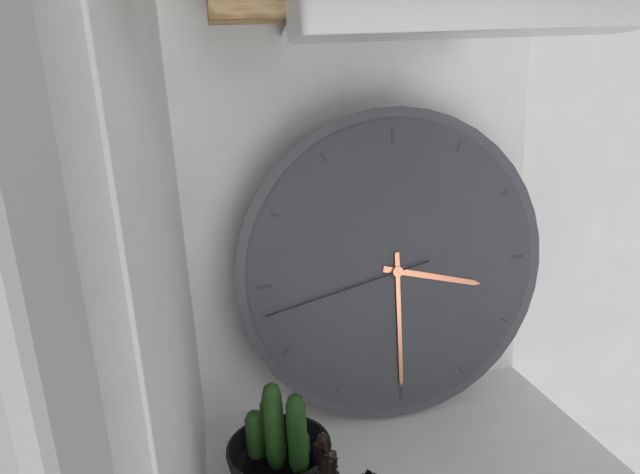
3:30:43
